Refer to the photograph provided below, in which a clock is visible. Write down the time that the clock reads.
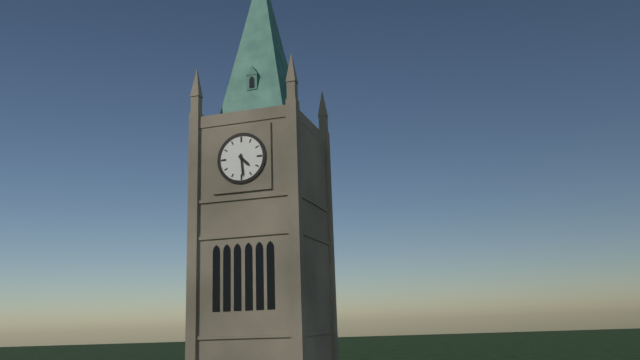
4:29
